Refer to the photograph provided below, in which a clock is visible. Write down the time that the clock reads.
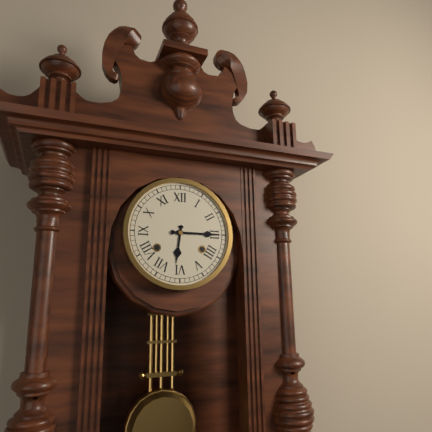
6:15
